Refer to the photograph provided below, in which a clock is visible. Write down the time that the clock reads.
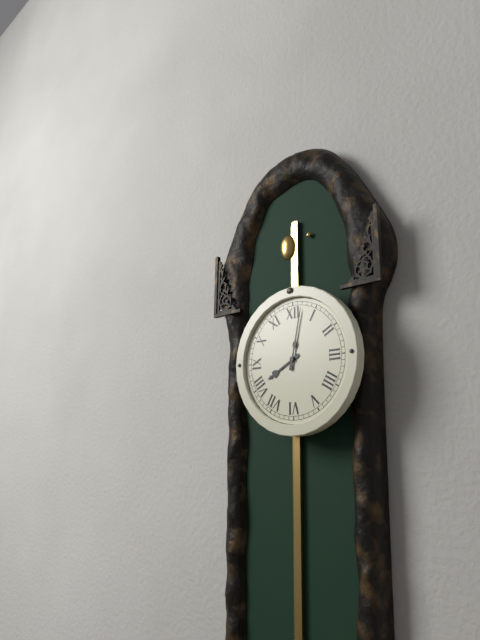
8:02
